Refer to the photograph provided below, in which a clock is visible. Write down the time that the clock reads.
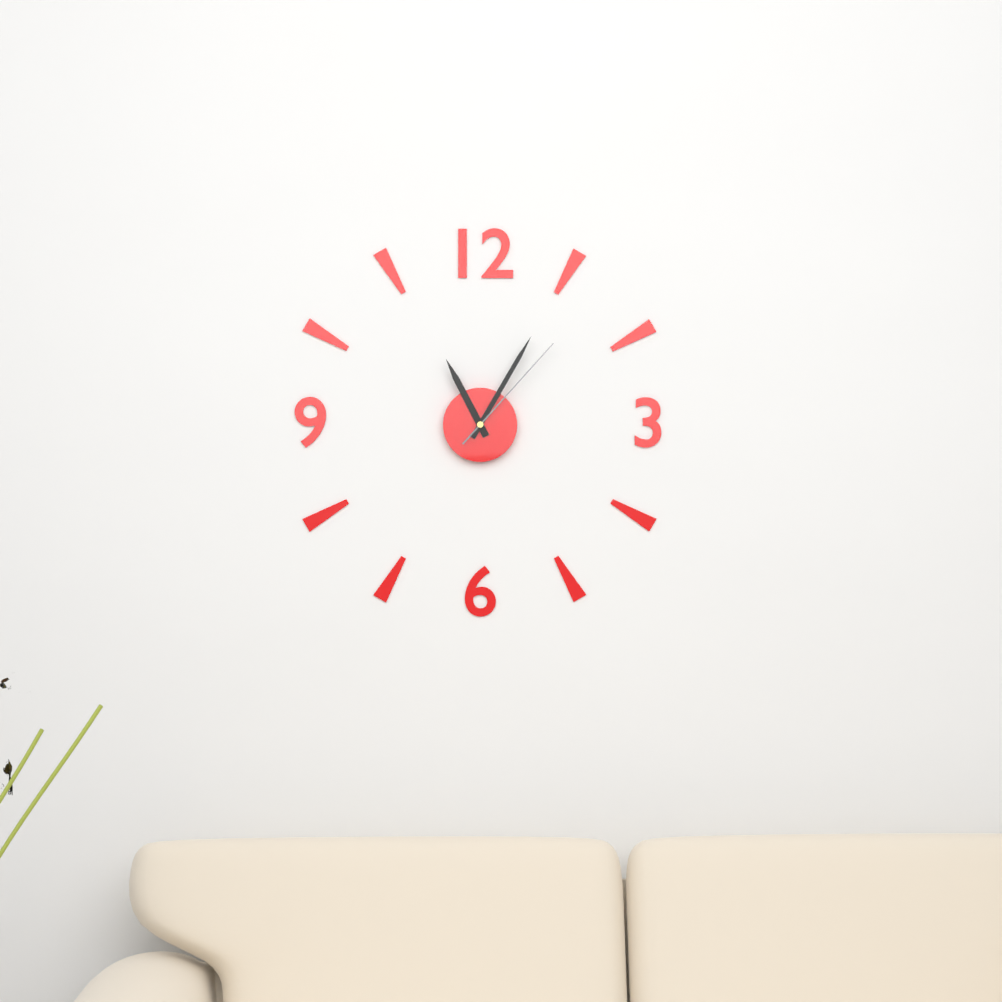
11:05:07
